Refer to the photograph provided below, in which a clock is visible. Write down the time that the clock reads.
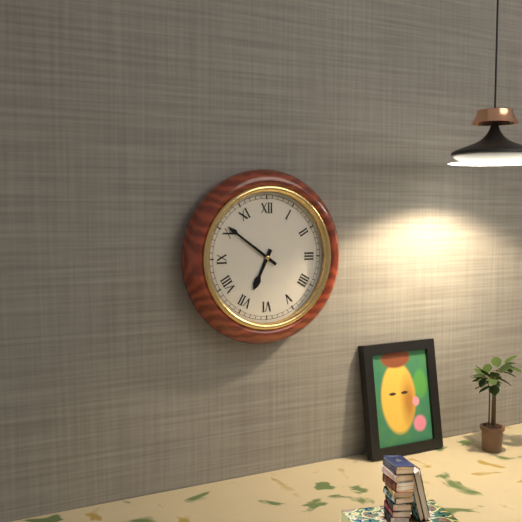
6:51
